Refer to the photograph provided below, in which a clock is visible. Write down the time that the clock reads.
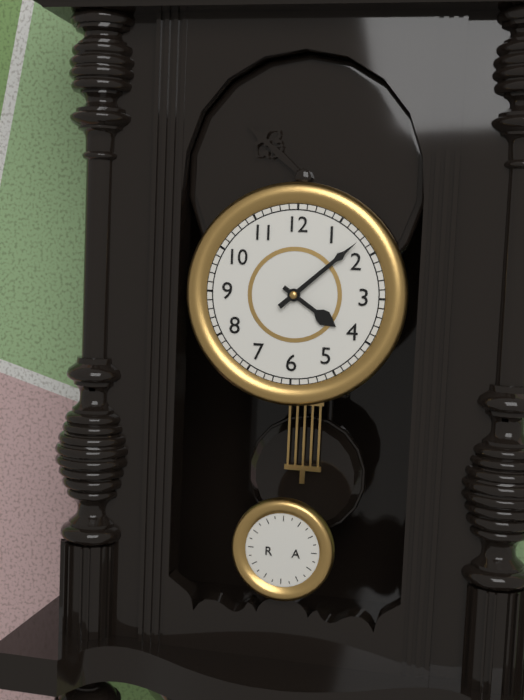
4:08
